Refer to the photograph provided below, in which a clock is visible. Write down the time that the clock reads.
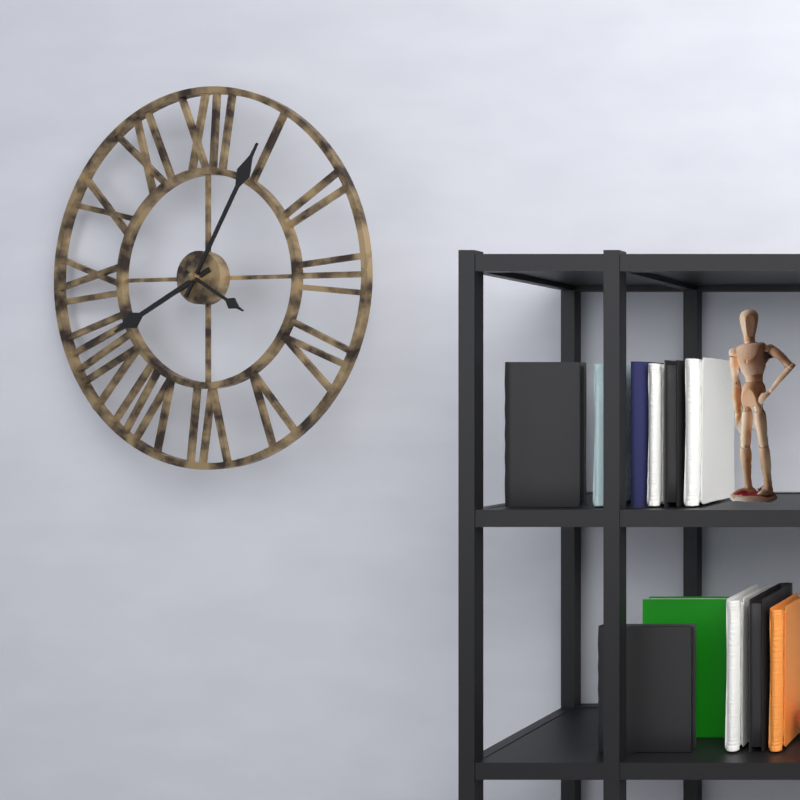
8:05:20
